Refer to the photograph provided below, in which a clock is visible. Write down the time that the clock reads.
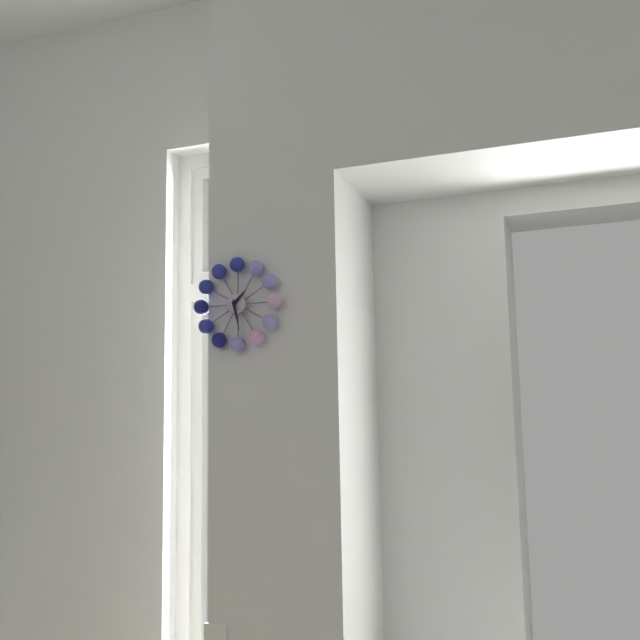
1:28
